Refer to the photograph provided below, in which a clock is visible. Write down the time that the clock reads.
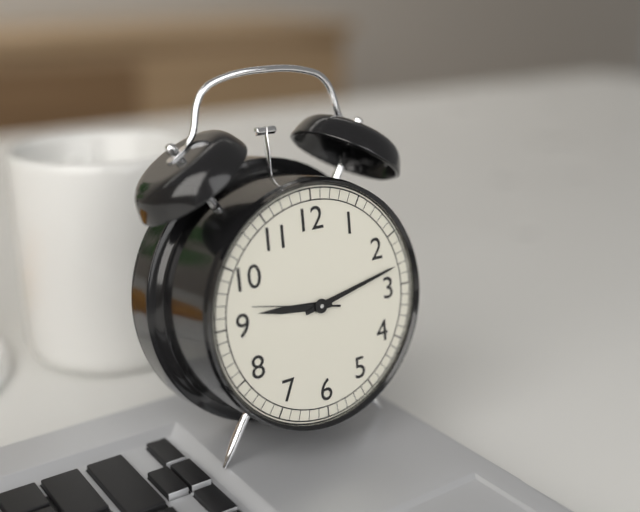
9:13:47
